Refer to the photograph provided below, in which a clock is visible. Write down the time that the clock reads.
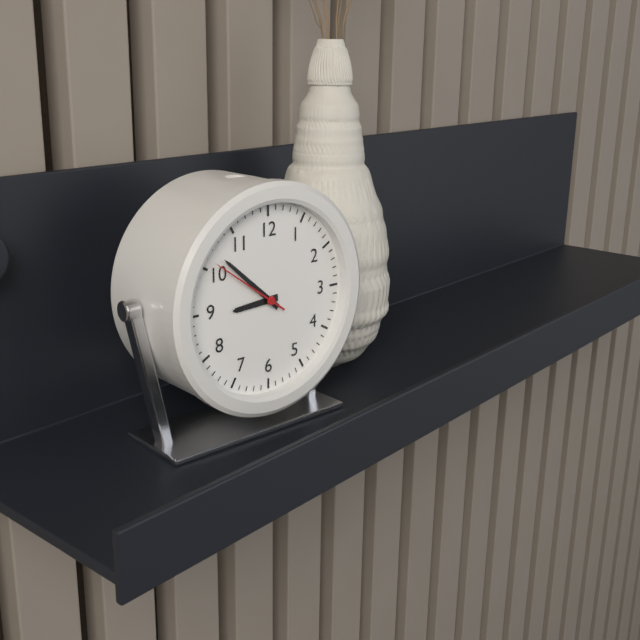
8:52:51
